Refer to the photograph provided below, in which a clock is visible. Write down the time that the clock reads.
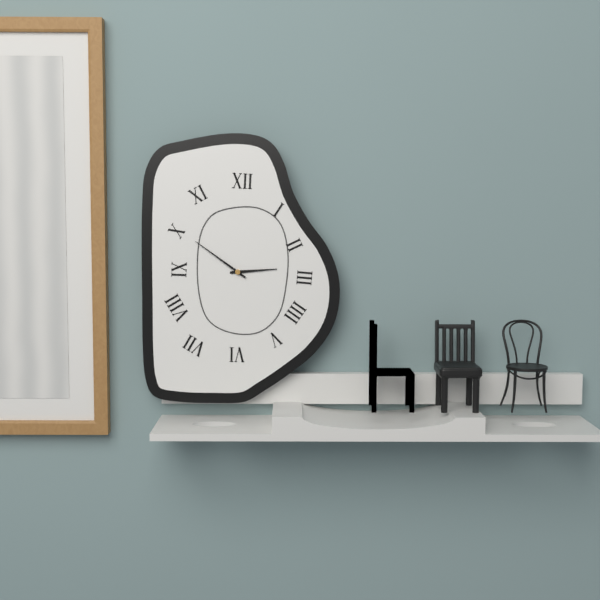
2:51
